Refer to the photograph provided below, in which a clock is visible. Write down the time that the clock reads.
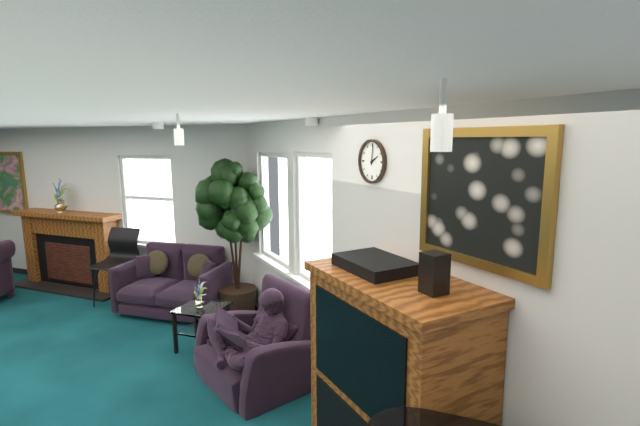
2:01
